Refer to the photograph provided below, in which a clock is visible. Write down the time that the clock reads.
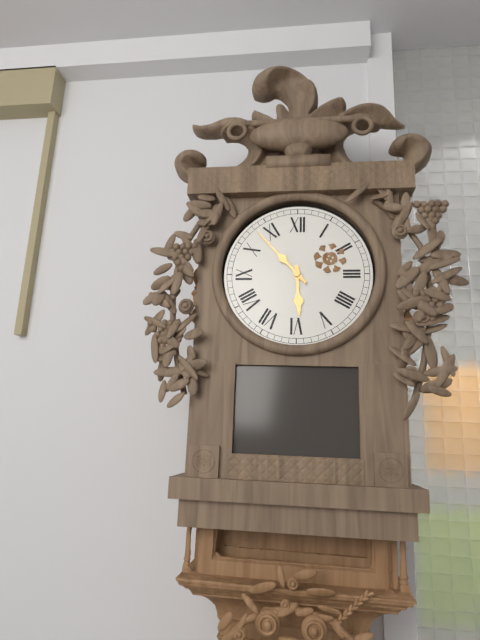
5:53
